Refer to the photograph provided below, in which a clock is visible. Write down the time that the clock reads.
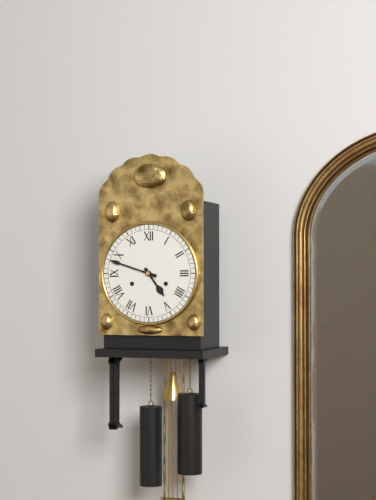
4:48
